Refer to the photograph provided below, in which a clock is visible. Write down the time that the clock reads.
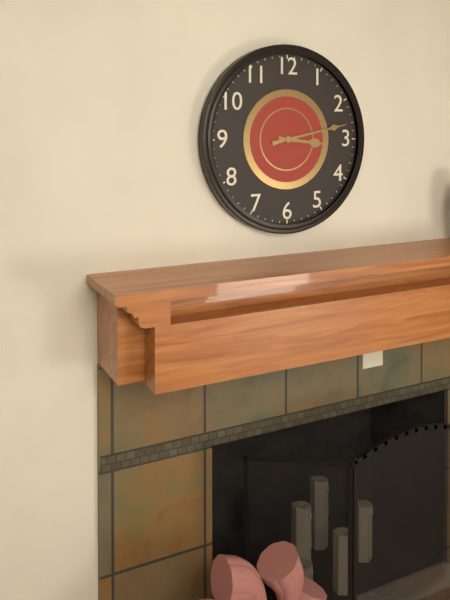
3:13
